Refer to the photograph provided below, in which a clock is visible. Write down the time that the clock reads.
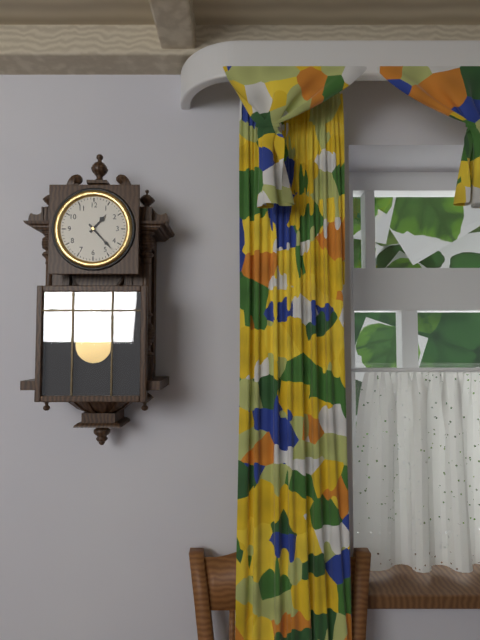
1:23
